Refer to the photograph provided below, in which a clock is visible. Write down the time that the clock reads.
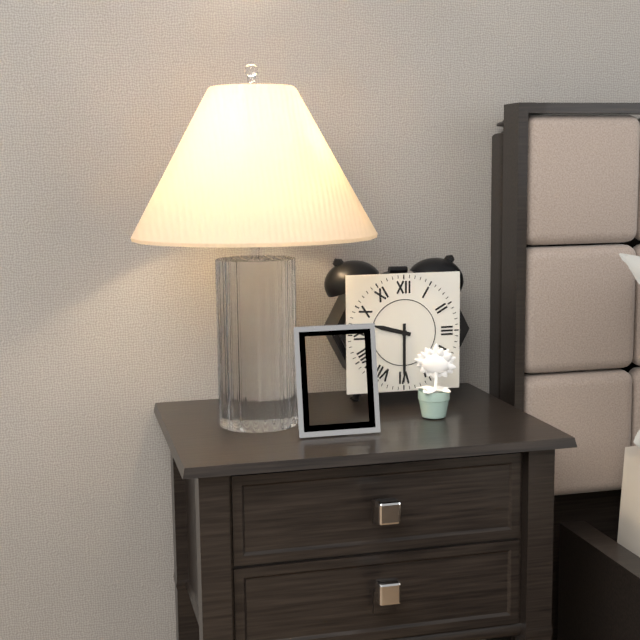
9:30
